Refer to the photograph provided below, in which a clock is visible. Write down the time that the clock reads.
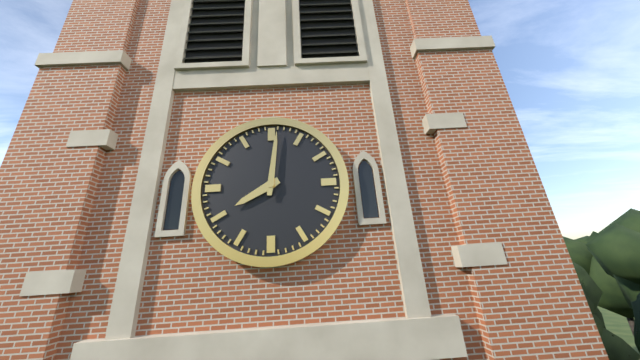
8:01
